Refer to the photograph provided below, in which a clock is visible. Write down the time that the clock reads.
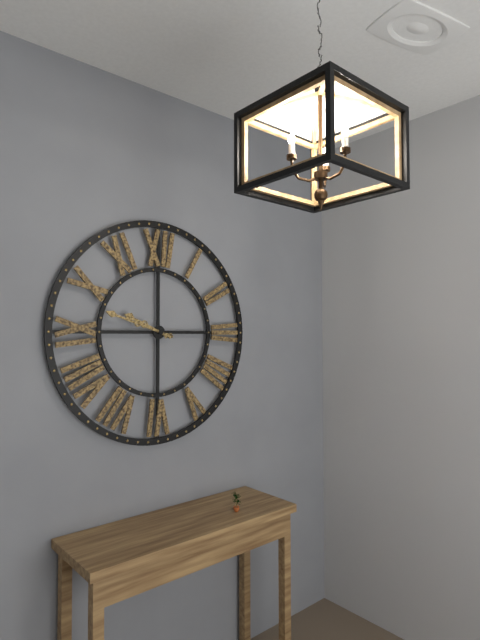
9:48
